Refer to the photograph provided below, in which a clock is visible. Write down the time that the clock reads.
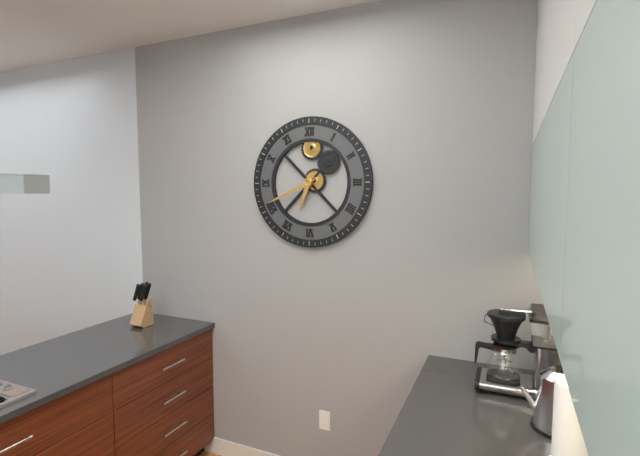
6:41
